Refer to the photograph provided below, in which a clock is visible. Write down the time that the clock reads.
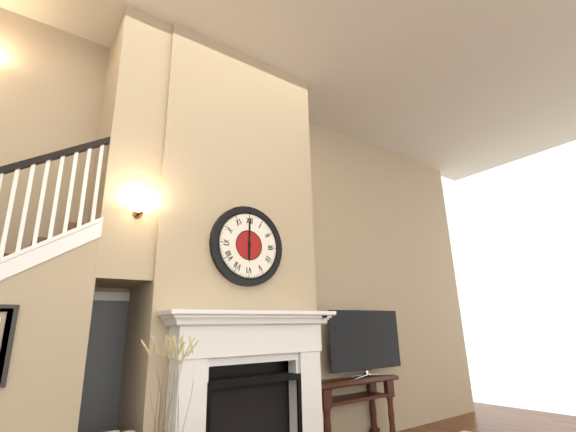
6:00
